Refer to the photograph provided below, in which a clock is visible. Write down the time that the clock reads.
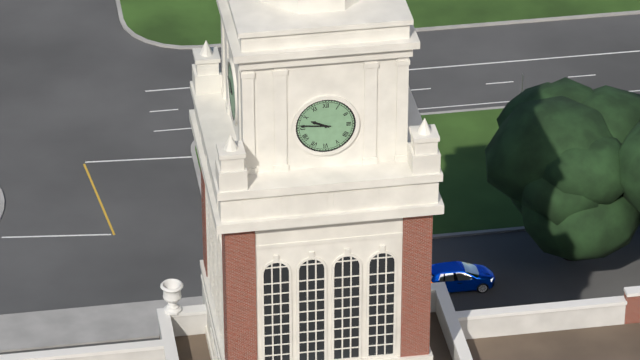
9:46
